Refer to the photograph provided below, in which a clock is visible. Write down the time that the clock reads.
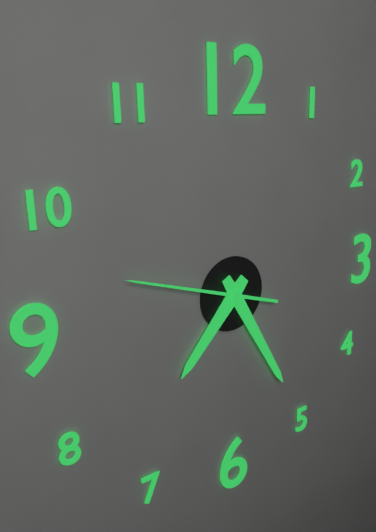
7:25:48
